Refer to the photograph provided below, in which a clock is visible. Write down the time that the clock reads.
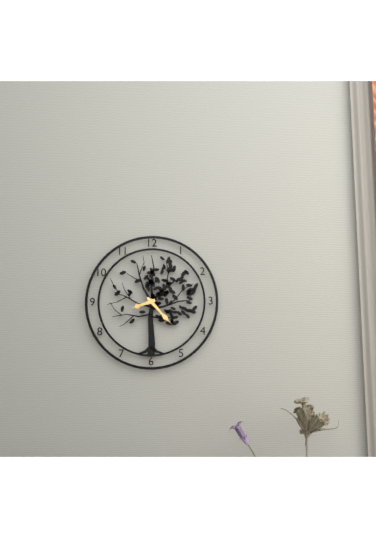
8:23
